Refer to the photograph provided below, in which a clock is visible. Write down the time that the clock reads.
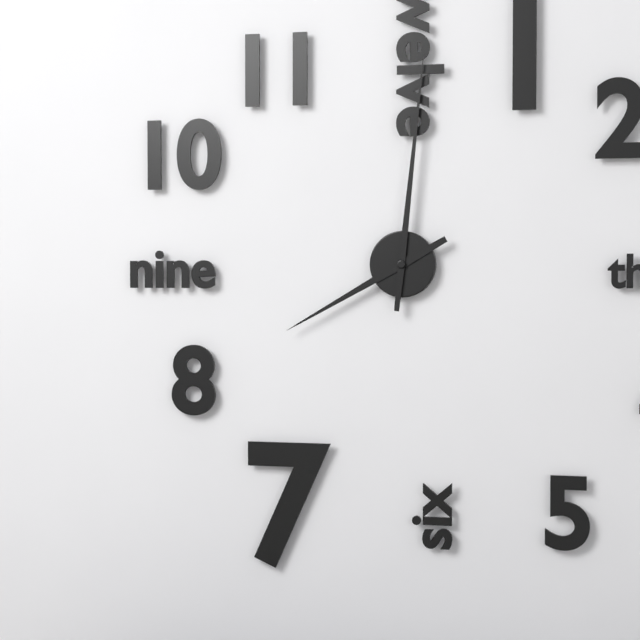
8:01
